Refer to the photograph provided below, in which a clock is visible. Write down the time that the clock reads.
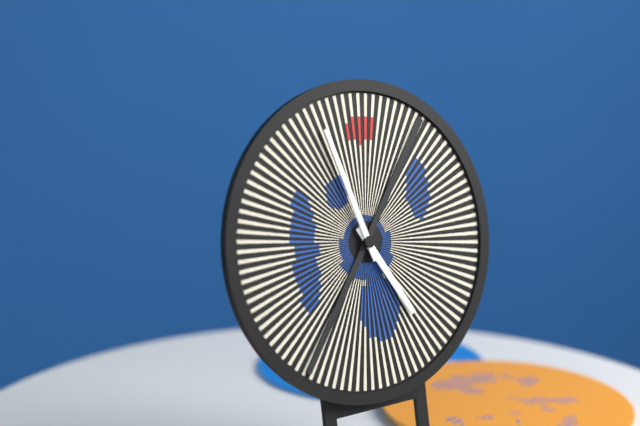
4:57
